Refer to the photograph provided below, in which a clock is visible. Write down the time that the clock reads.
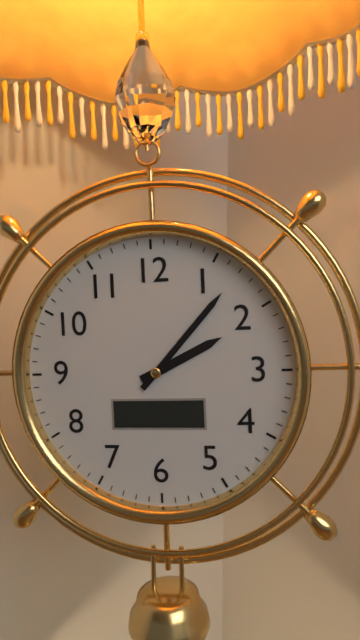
2:07
